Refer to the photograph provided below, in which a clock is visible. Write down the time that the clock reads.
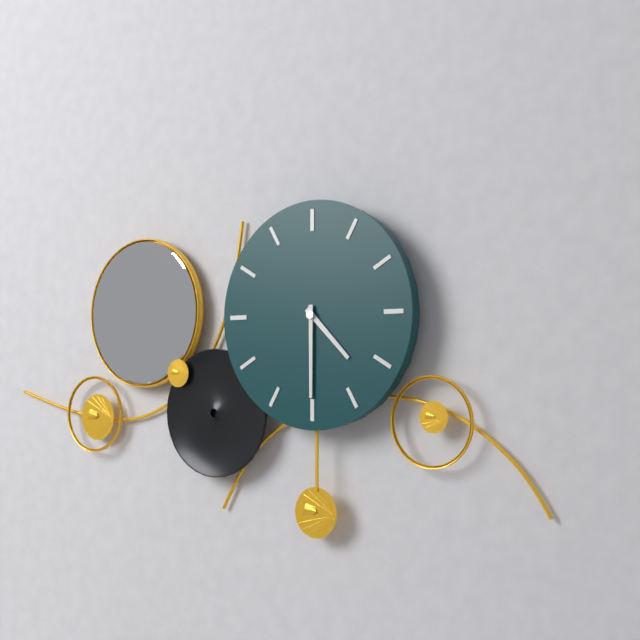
4:30
